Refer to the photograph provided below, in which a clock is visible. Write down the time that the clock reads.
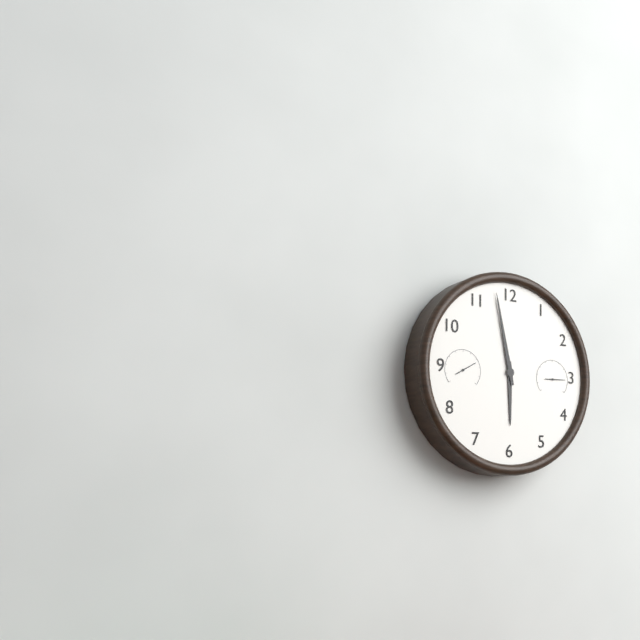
5:58
